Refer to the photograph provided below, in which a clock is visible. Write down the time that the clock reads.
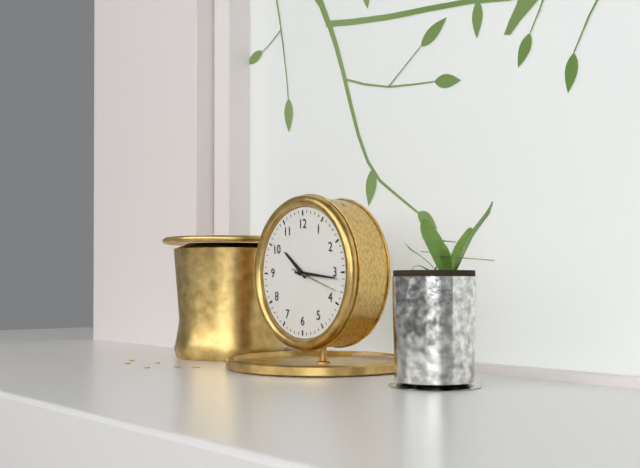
10:16:18
